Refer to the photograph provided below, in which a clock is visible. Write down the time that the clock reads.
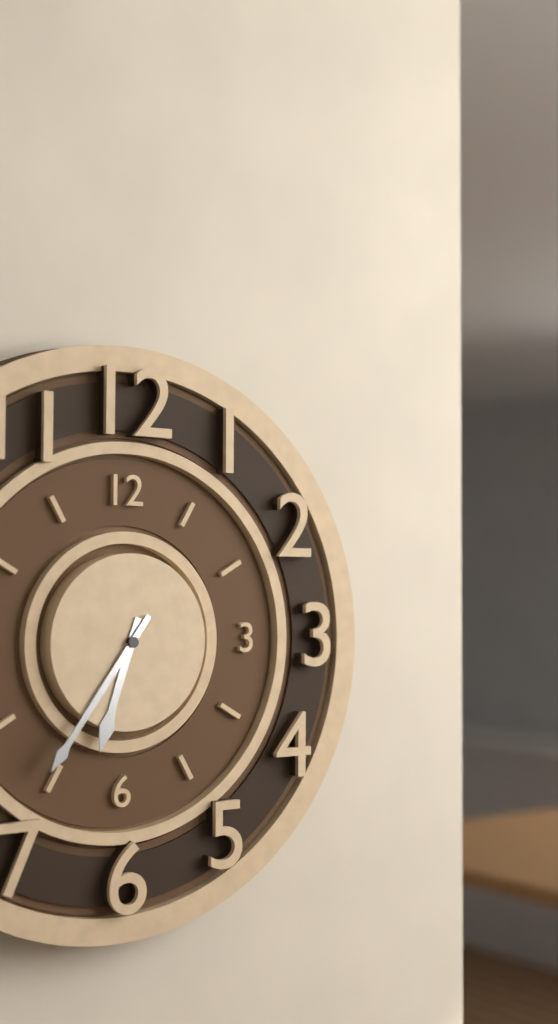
6:36
